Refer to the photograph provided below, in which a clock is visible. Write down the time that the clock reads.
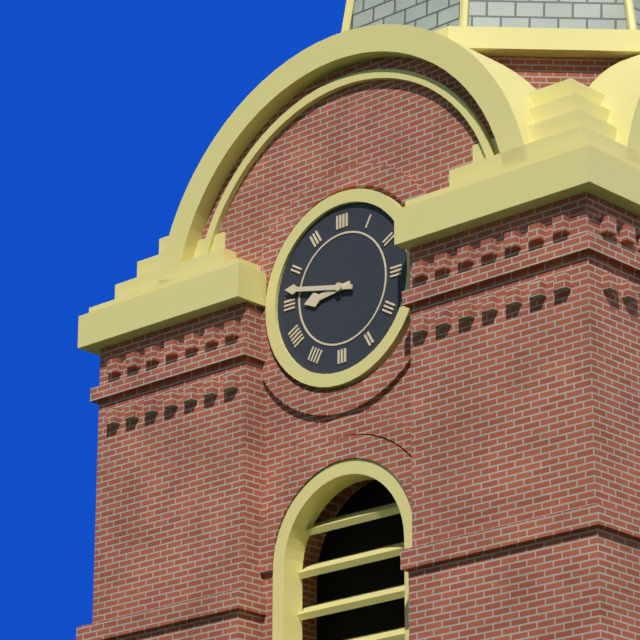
8:47
